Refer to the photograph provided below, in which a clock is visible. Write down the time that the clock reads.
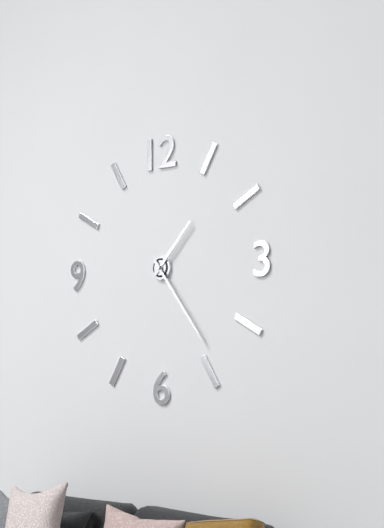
1:24
